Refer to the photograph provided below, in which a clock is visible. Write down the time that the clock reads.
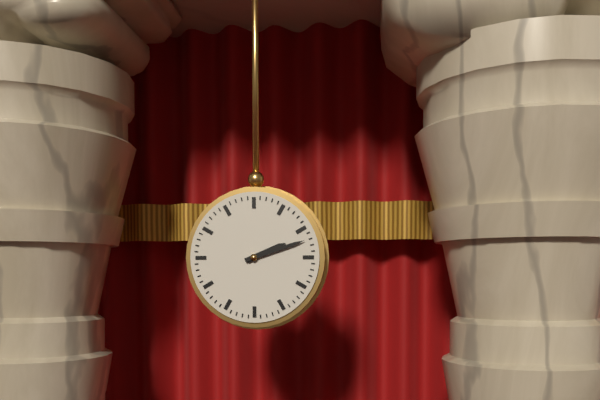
2:12
